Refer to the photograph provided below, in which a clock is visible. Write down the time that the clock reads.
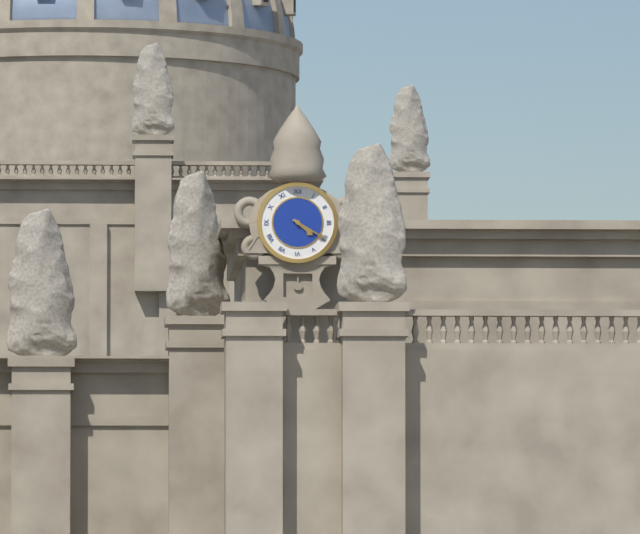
4:20
